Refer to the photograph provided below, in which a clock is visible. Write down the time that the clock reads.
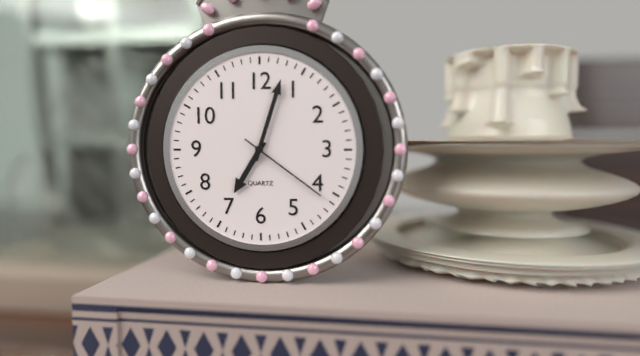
7:03:21
